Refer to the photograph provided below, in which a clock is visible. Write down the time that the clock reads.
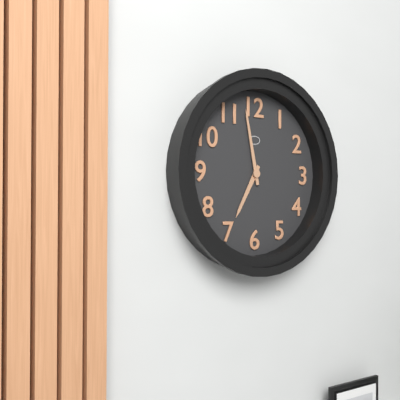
6:58
